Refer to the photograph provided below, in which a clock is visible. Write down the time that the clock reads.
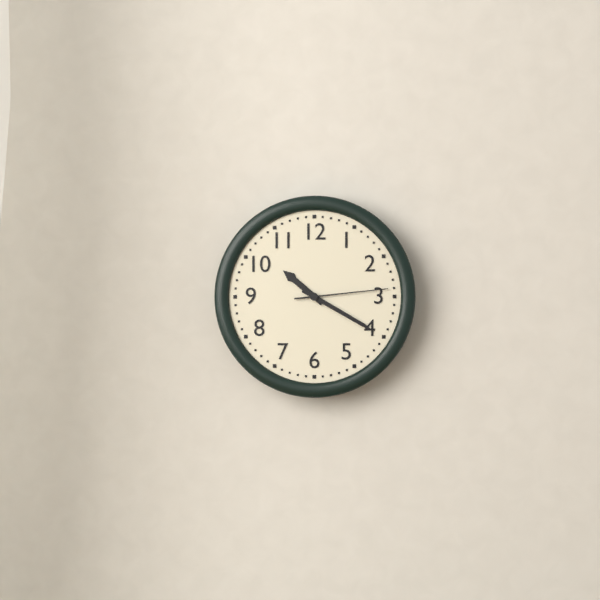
10:20:14
